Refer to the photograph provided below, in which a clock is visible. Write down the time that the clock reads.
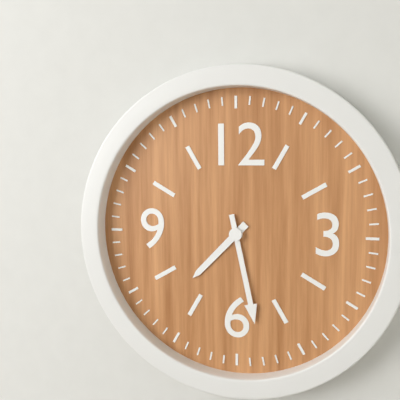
7:28
